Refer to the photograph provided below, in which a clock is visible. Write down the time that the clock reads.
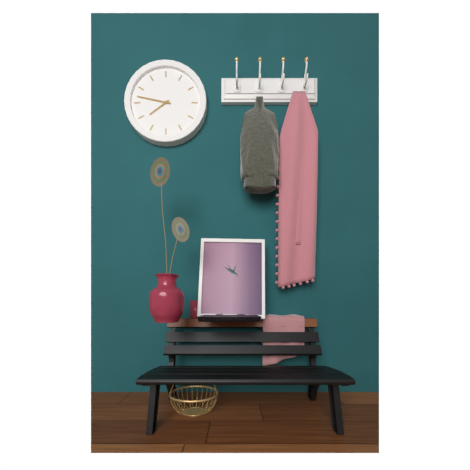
7:47
